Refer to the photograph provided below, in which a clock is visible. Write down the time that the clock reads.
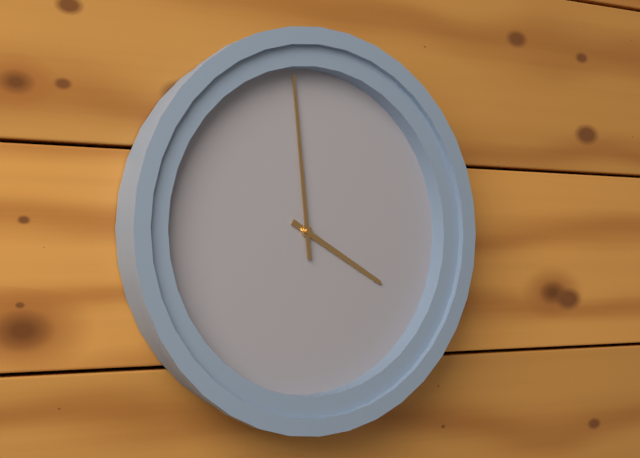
3:59
